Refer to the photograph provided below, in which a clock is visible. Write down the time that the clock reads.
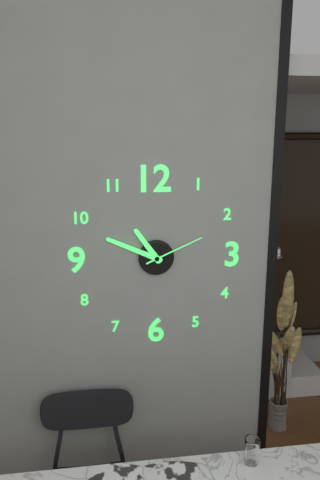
10:49:11
